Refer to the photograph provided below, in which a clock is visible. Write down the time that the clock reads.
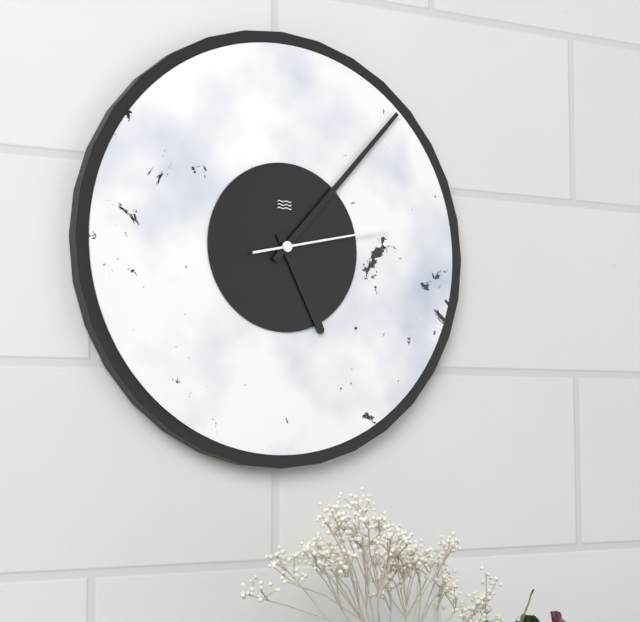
5:07:13
